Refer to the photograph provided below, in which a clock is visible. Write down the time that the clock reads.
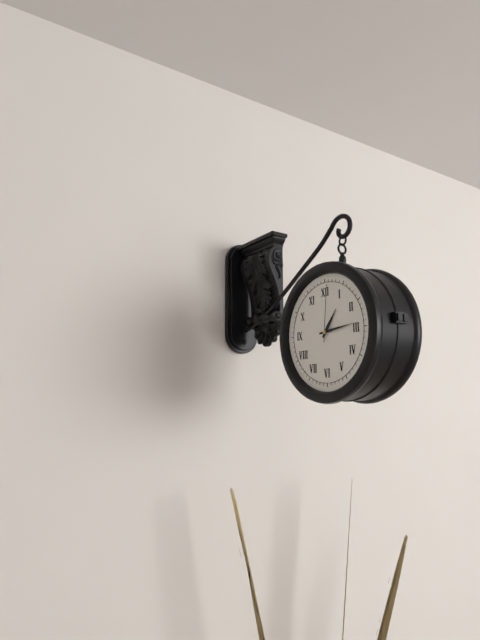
1:14:01
